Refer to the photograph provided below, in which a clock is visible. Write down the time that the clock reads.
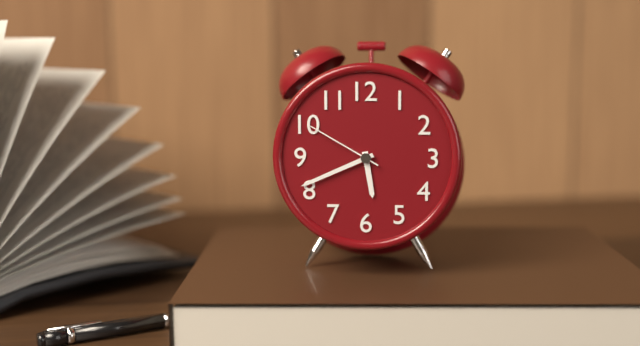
5:41:50
